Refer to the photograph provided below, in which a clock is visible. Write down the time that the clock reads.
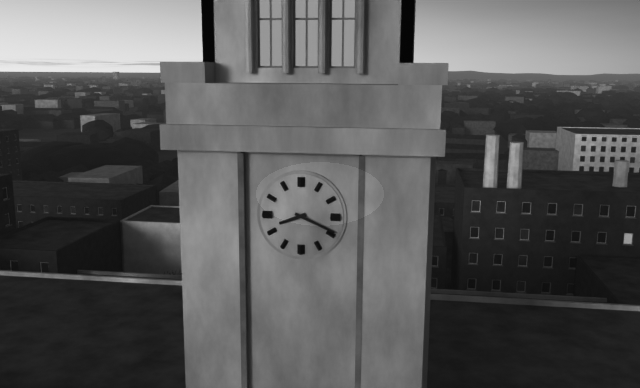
8:19
